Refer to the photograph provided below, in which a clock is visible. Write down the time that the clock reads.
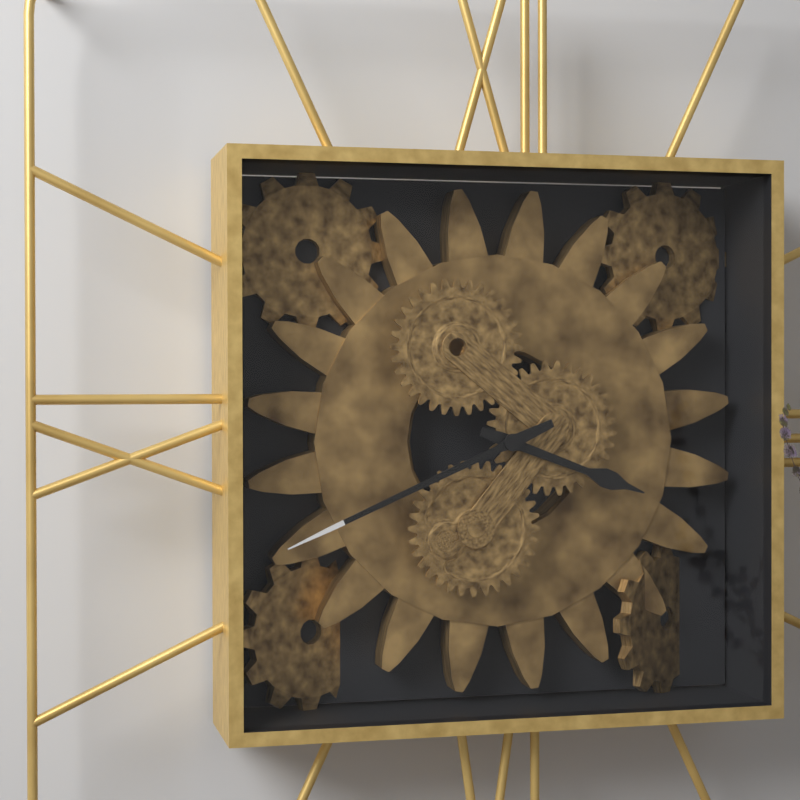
3:41
